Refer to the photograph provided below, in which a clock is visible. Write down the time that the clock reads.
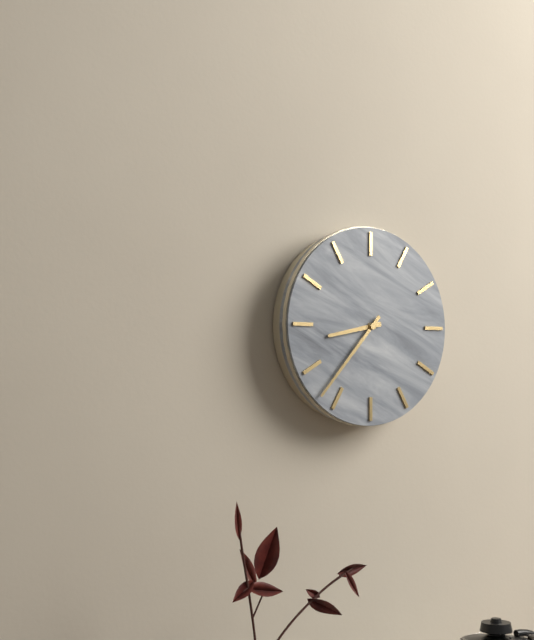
8:37
